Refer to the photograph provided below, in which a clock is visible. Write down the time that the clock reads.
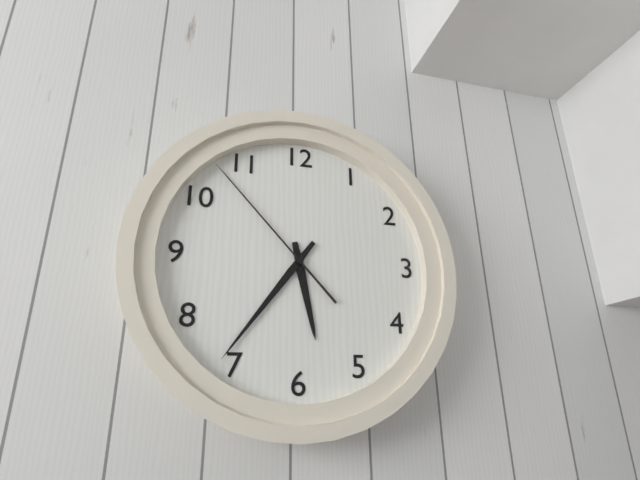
5:36:53
